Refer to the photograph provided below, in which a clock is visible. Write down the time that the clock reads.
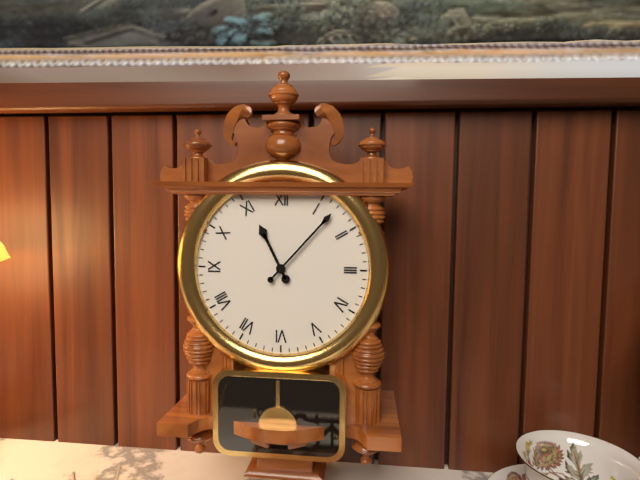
11:07
